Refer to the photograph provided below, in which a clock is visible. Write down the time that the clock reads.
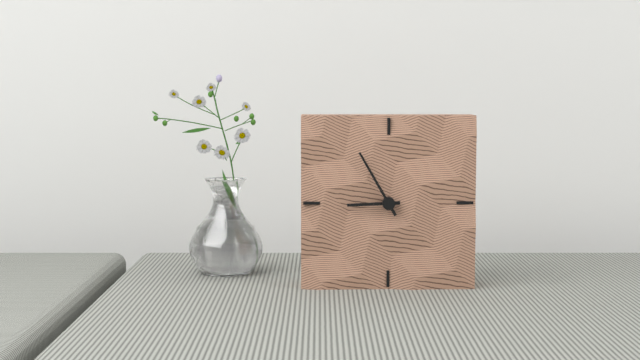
8:55
